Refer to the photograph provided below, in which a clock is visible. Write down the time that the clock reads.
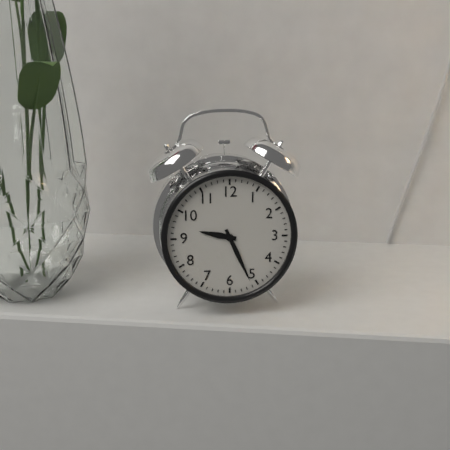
9:26
